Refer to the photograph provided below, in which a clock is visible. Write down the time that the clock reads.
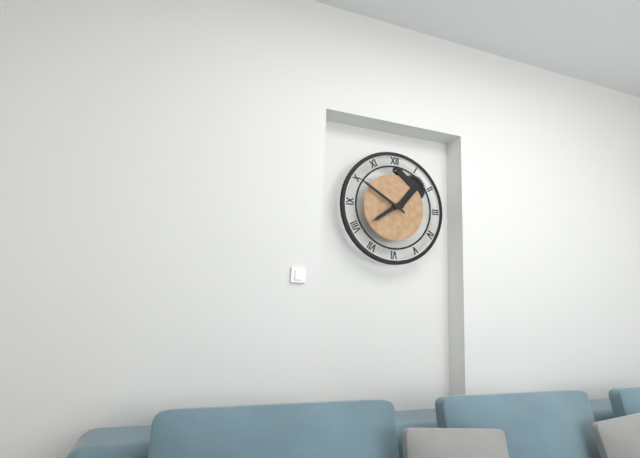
7:50
